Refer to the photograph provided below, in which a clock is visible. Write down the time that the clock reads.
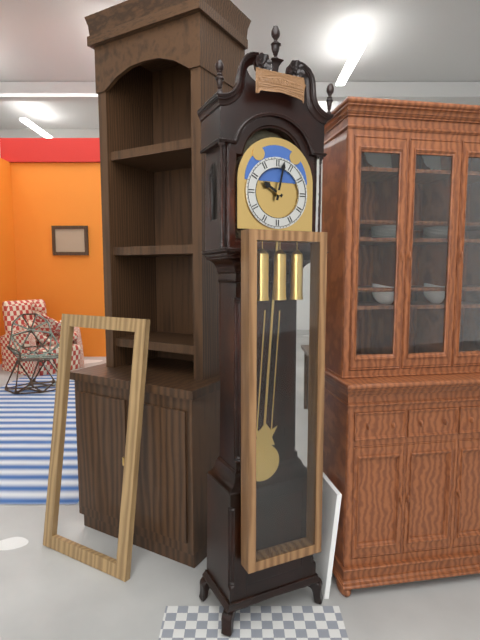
10:02
